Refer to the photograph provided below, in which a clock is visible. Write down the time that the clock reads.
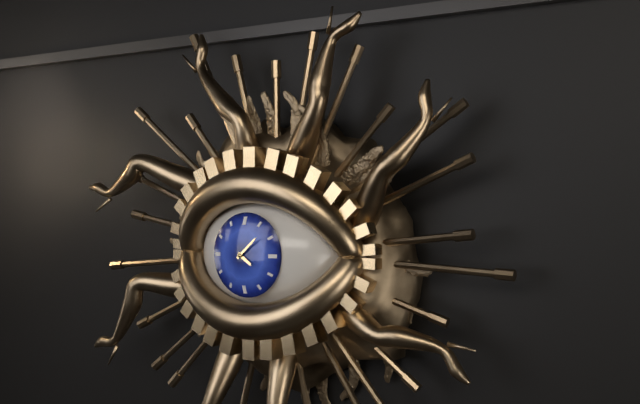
4:08
